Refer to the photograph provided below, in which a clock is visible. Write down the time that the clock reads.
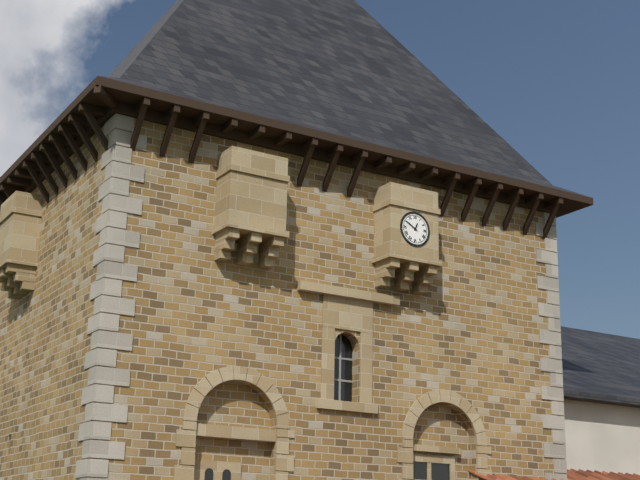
12:50
